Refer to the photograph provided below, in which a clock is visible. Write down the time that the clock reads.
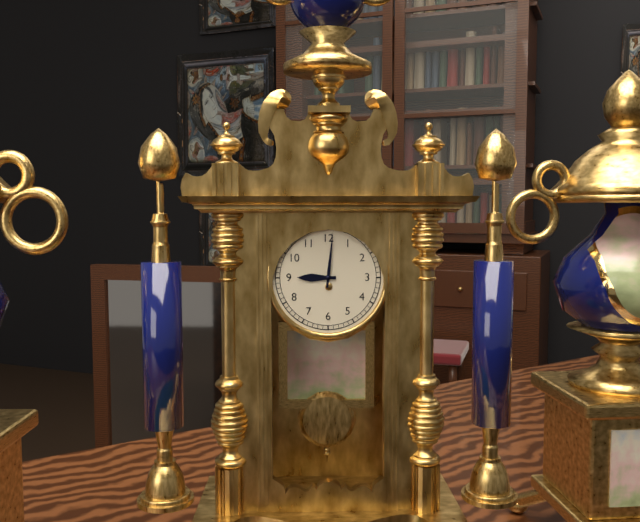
9:01
